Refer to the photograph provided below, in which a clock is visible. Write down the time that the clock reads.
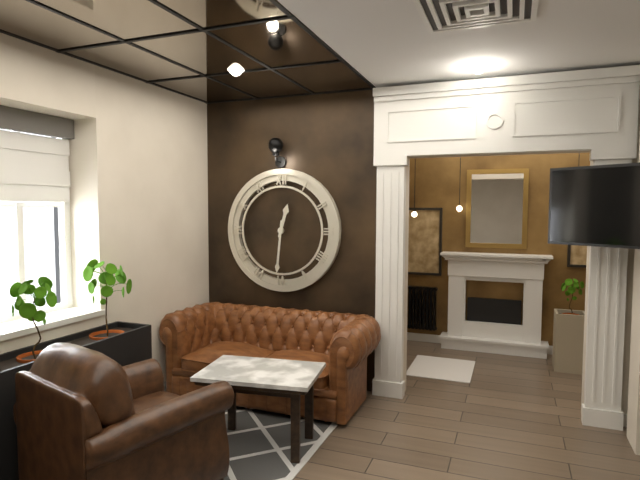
12:31
